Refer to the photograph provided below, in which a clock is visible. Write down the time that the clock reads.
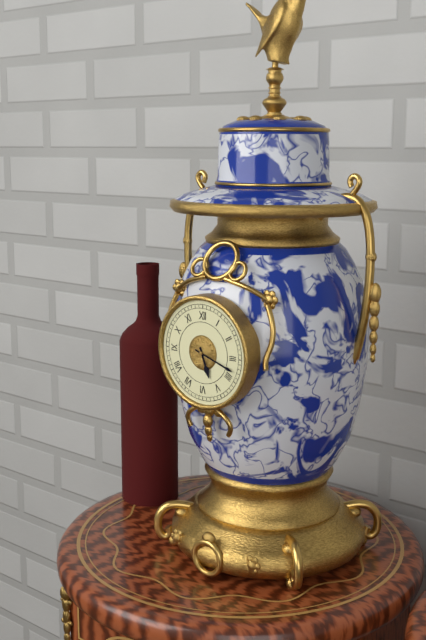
5:18
